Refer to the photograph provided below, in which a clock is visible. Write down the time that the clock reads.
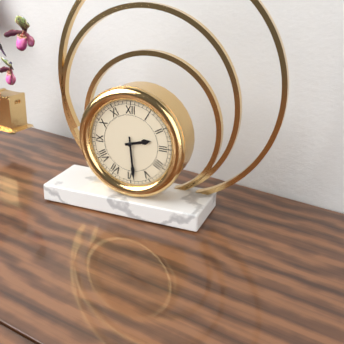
2:29
